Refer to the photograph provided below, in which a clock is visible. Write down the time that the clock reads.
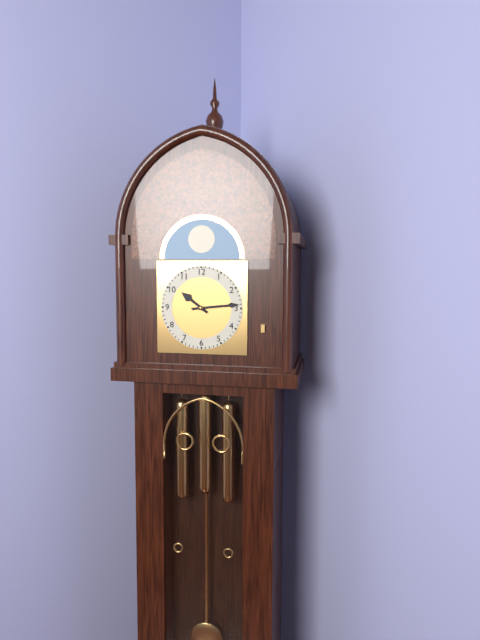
10:14
